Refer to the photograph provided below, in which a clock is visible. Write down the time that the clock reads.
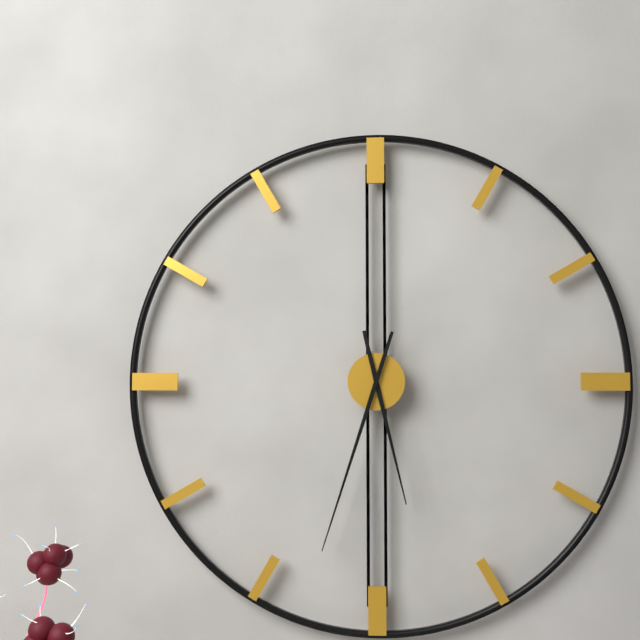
5:33
